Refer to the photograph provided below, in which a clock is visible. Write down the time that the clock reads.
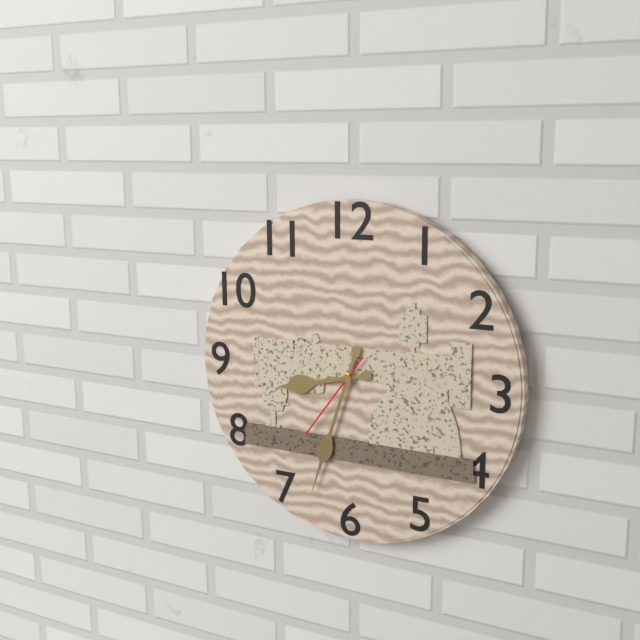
8:33:36
